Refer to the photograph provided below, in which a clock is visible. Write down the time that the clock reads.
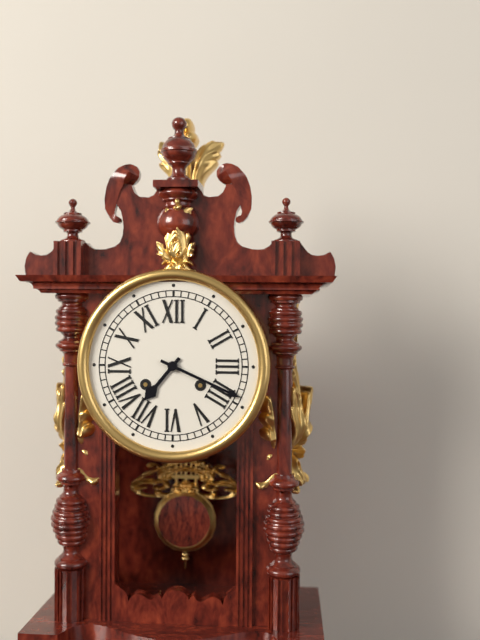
7:19
